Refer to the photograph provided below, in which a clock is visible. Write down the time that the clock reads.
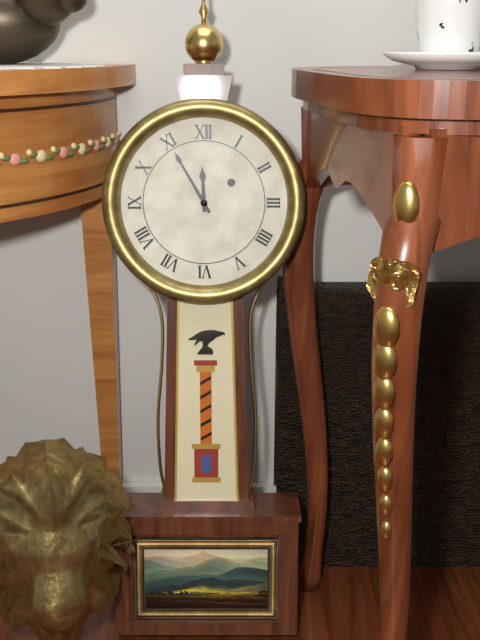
11:55
